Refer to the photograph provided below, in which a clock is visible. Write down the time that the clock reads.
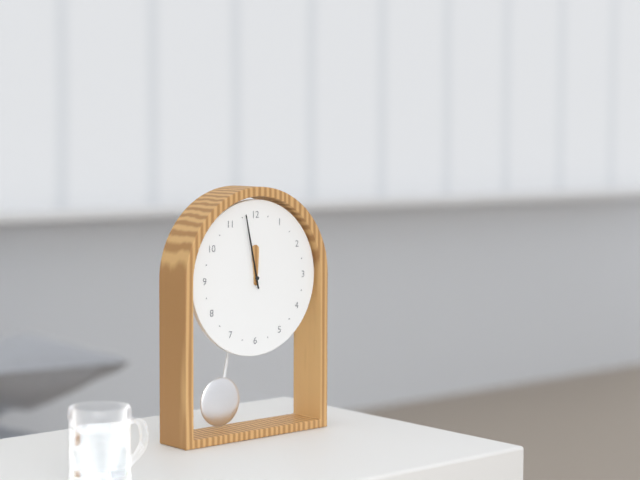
11:58
